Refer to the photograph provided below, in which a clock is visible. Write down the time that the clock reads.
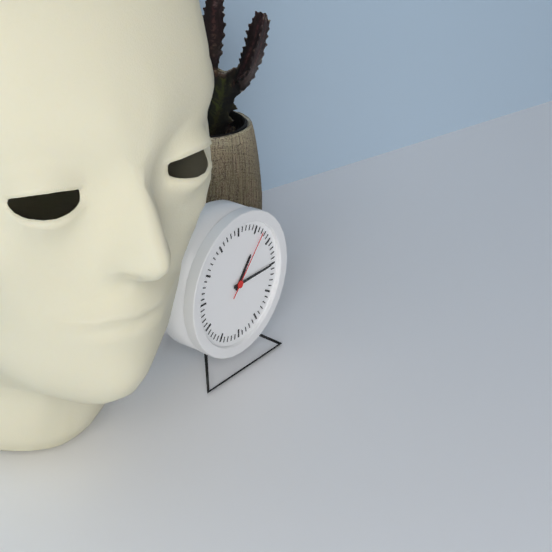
1:15:07
